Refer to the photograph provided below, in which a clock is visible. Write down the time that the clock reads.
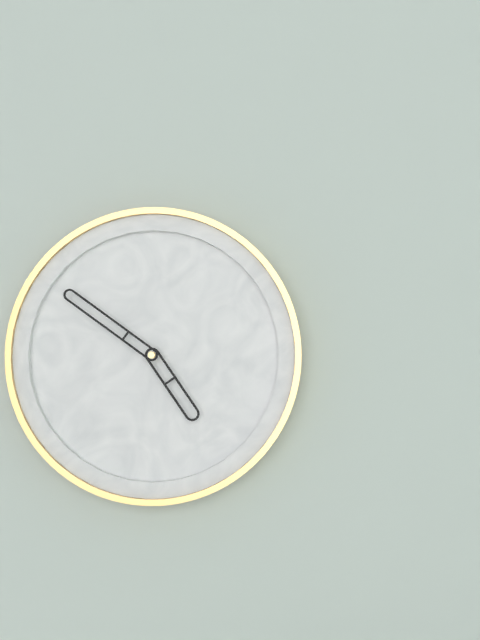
4:51
